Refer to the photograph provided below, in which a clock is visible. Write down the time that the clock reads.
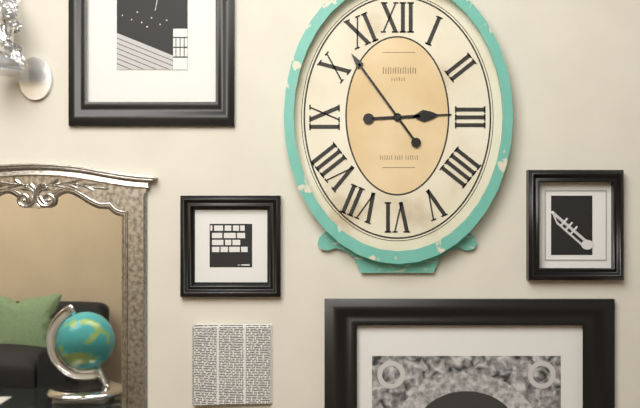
2:54
